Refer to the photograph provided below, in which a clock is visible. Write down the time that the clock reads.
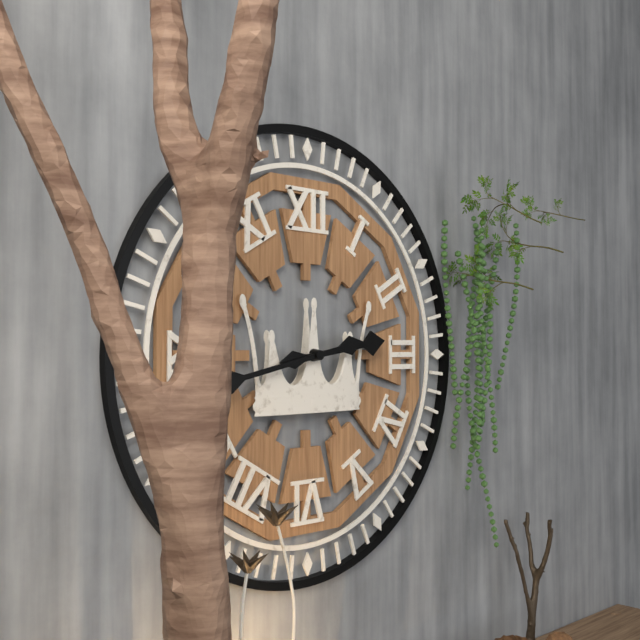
2:43
